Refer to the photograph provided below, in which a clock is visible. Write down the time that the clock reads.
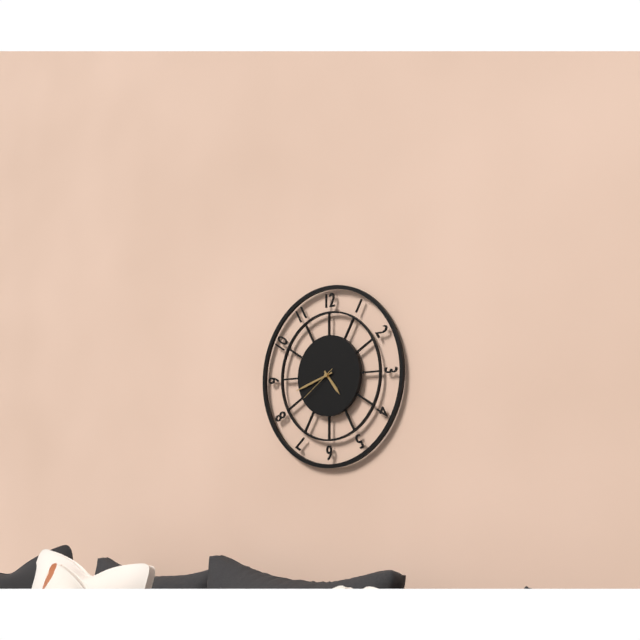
4:42
